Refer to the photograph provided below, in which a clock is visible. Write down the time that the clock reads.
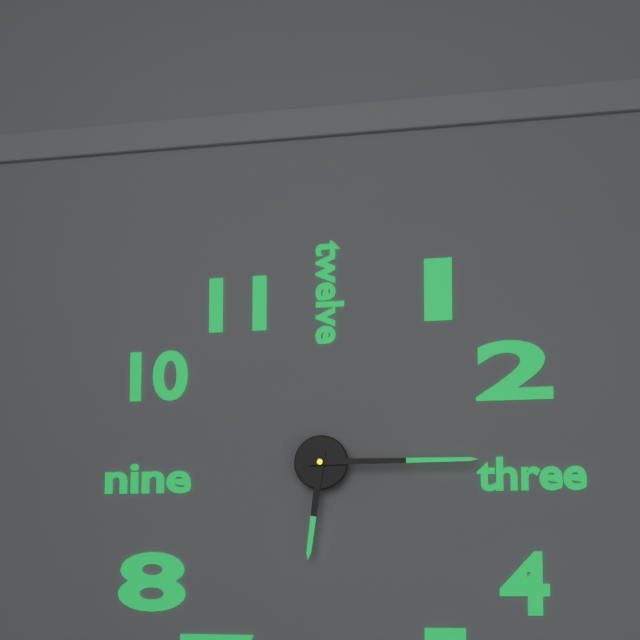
6:15
